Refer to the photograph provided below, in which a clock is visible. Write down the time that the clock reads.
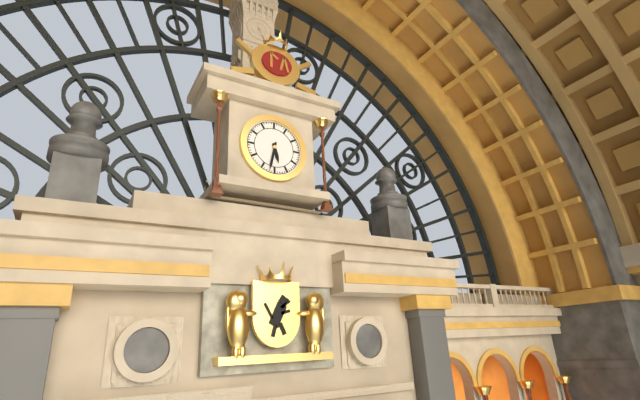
5:32
